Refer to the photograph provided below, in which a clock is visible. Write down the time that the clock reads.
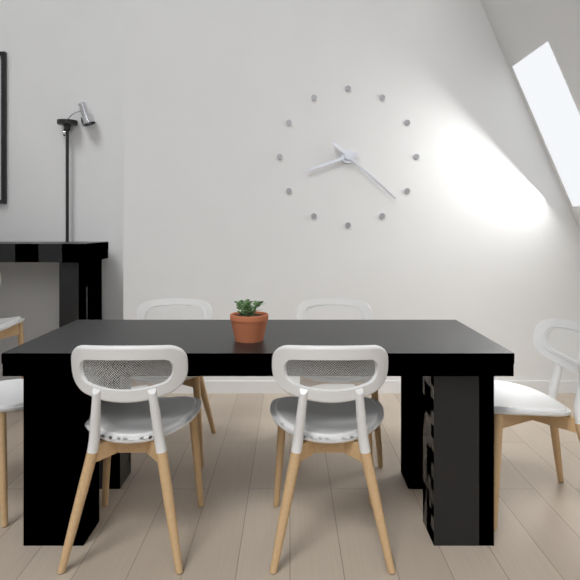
8:22
